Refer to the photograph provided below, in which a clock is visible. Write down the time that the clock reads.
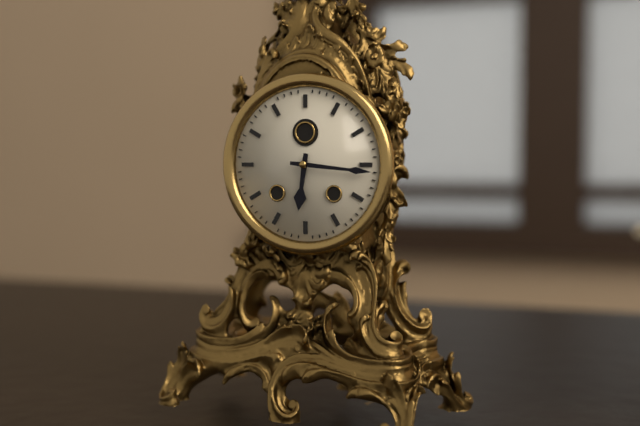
6:16
